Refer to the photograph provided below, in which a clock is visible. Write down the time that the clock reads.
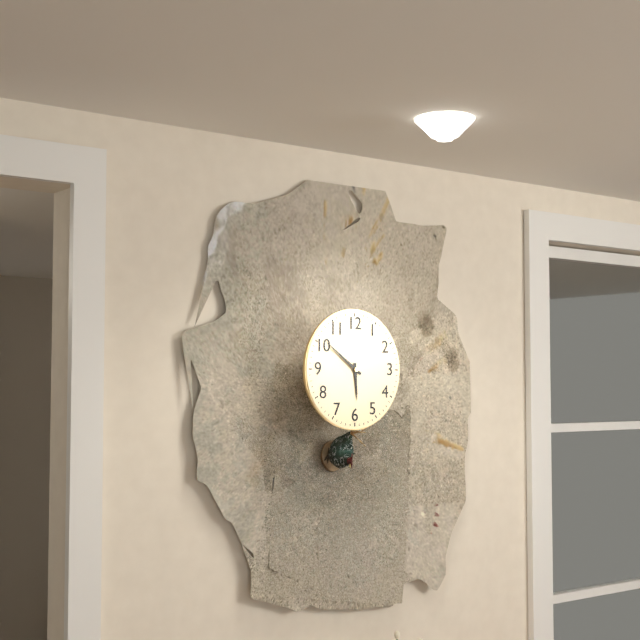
5:51
